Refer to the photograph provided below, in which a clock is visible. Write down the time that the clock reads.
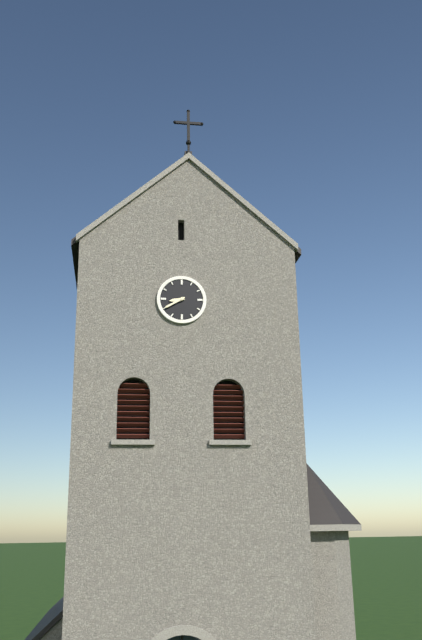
8:40
